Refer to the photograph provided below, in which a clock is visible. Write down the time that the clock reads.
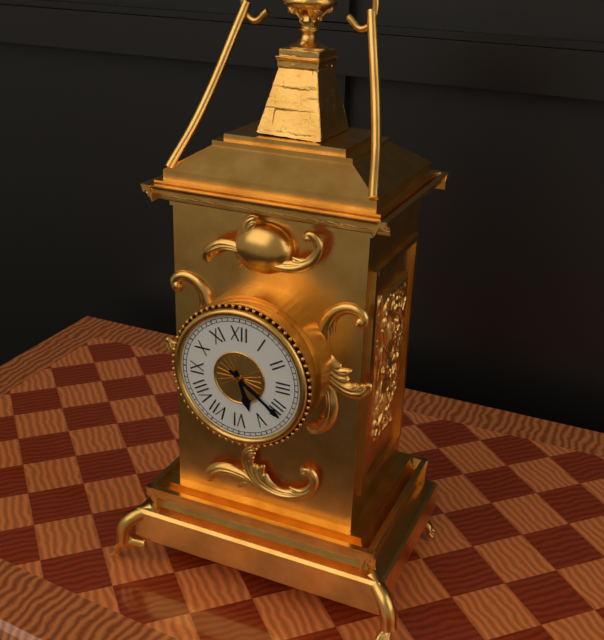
5:21
